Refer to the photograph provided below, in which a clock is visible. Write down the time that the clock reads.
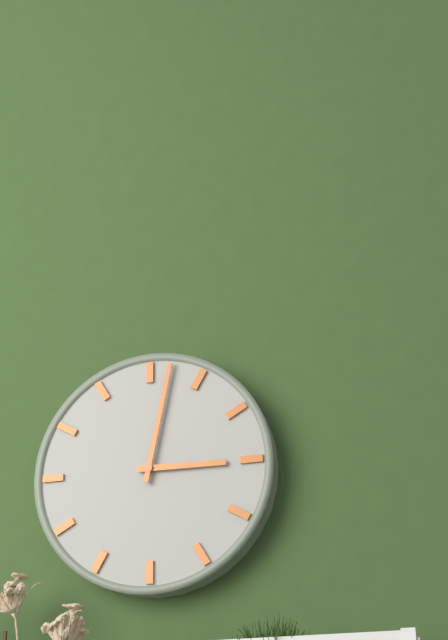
3:02
